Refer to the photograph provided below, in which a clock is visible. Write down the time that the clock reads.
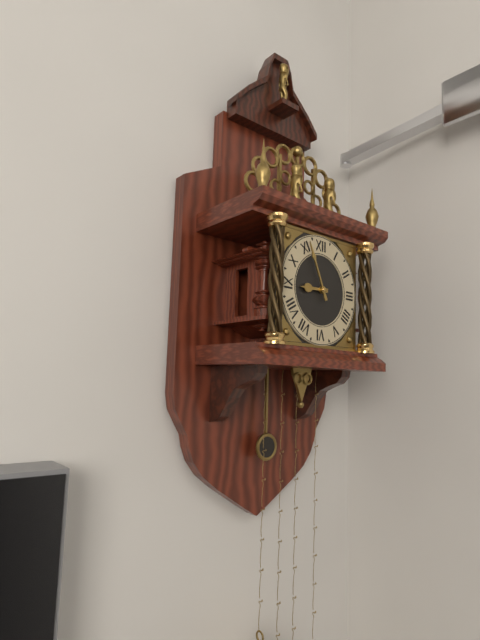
8:56
